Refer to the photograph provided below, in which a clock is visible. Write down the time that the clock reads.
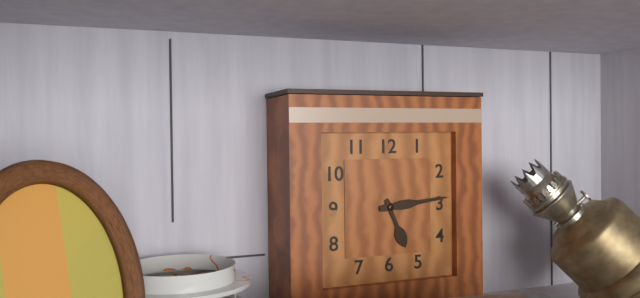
5:14
